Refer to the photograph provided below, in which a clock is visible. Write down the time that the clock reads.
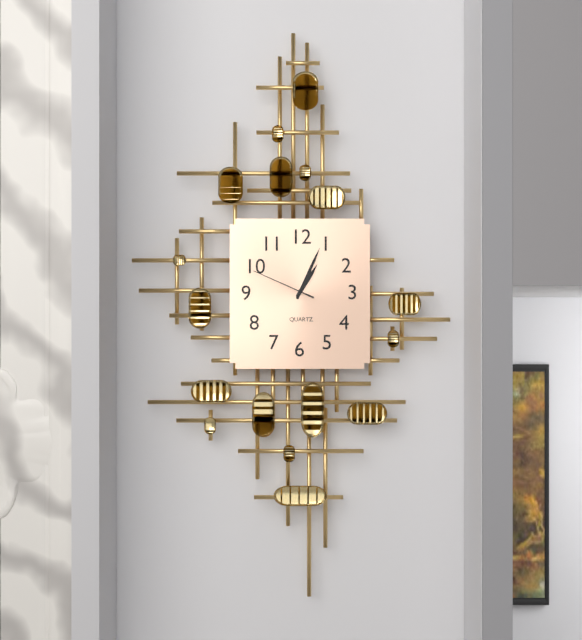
1:04:49
